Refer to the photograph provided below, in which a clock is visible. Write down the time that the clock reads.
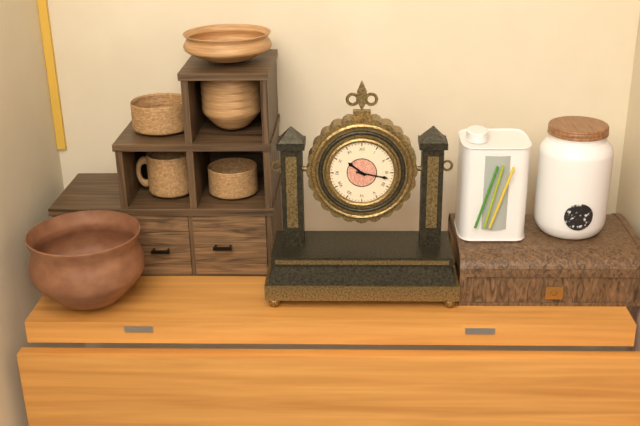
10:17
